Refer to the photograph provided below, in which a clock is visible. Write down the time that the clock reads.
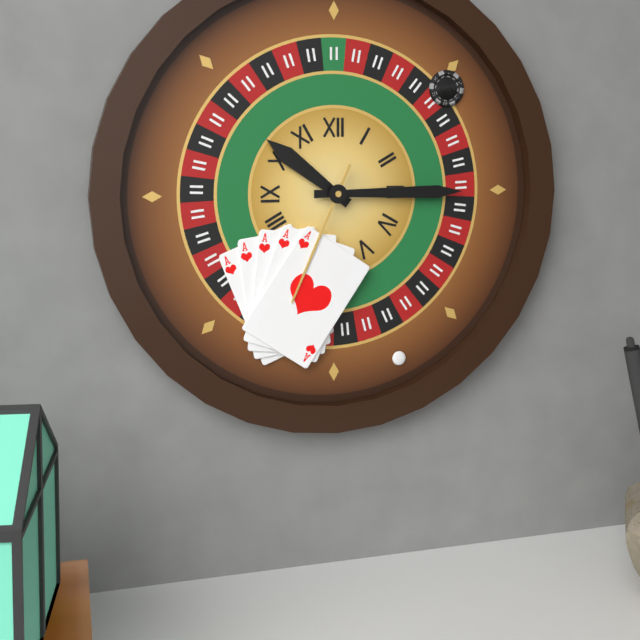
10:15:34
